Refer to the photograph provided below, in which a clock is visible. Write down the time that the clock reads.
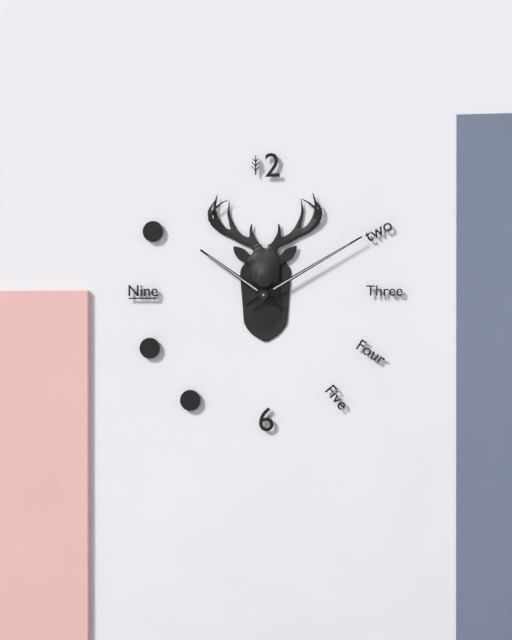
10:10
